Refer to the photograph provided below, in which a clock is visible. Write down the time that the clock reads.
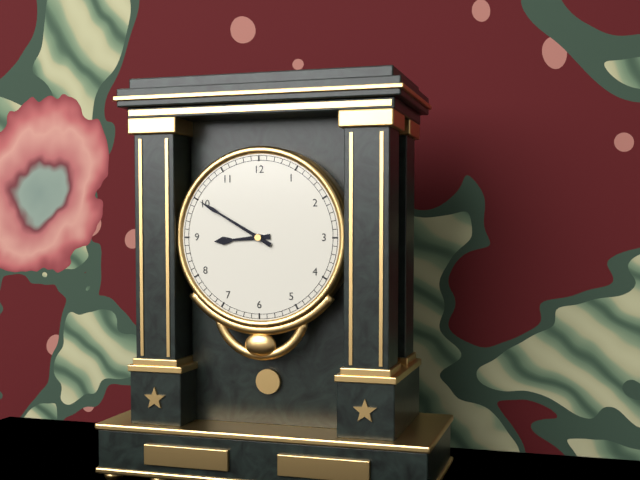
8:50
